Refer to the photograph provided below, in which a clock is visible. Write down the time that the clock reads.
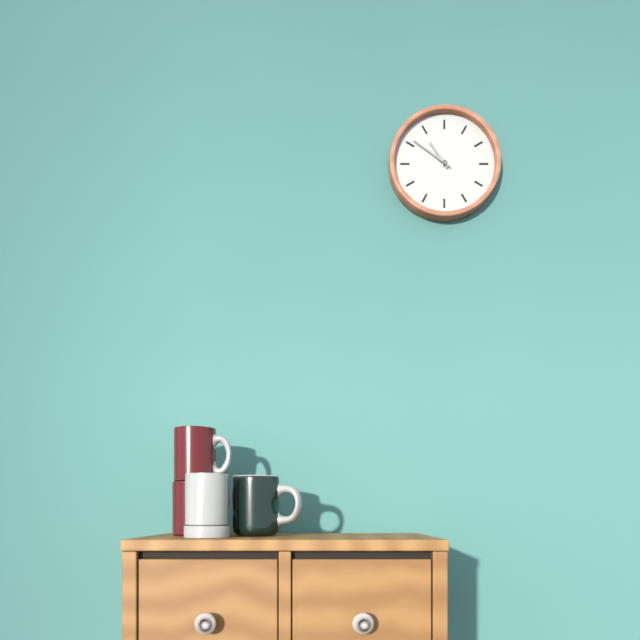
10:51
